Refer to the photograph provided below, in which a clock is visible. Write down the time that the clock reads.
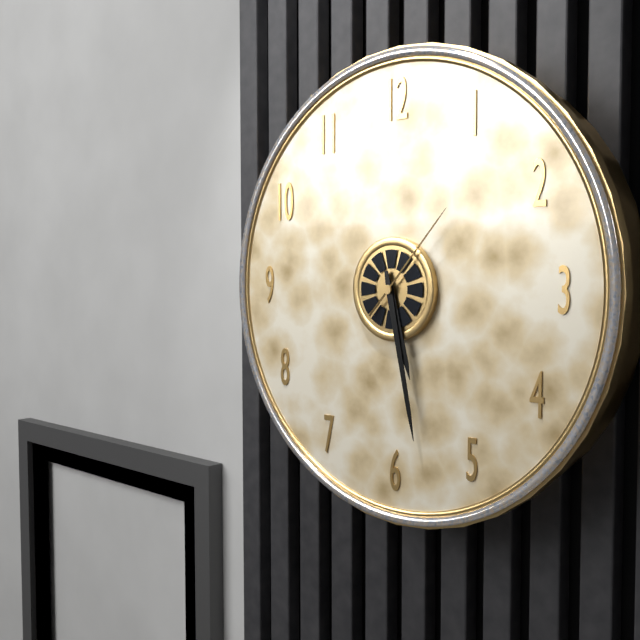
5:28:07
